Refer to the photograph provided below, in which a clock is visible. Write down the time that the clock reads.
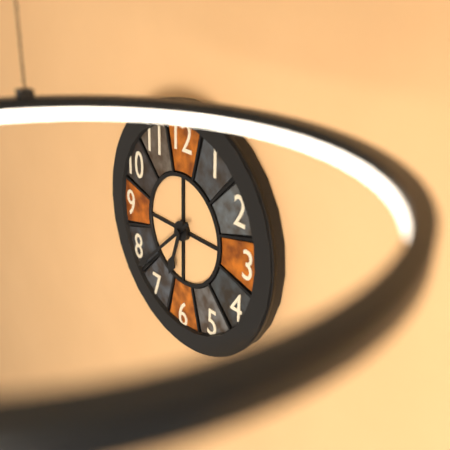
6:38
